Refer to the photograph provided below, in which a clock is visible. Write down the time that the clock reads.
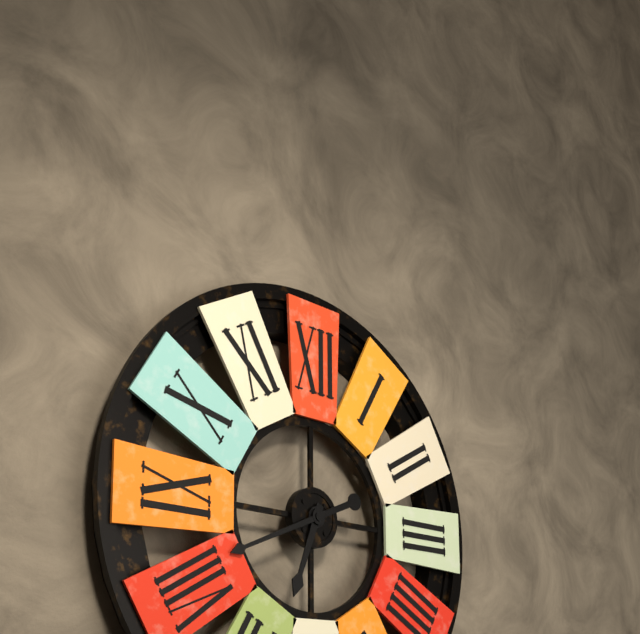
6:41
